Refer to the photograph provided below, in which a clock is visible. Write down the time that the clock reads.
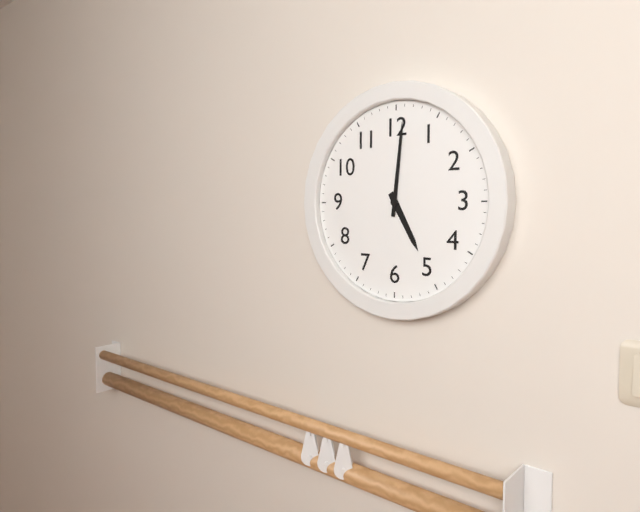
5:01
